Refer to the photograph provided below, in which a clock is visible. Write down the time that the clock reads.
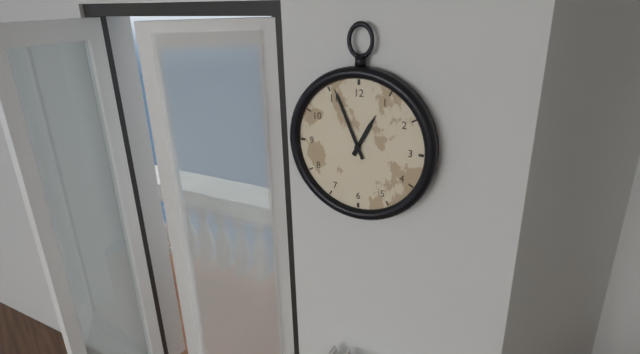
12:56
